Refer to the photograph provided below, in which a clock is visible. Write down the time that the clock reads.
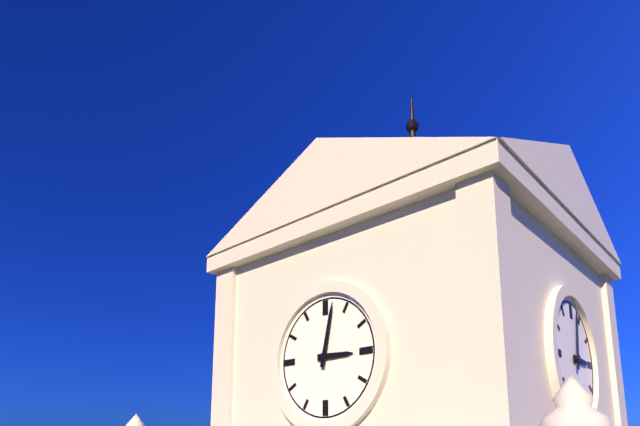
3:02
